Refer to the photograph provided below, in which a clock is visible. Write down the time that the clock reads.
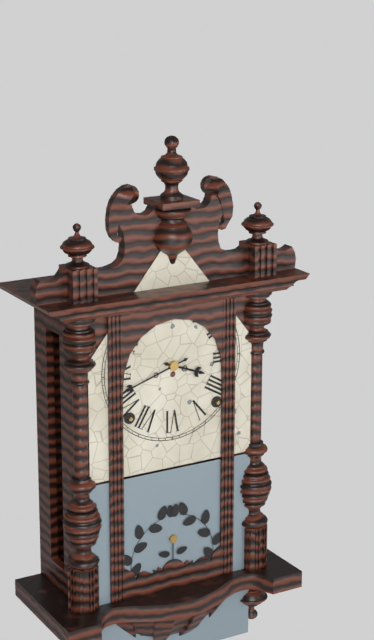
3:42
